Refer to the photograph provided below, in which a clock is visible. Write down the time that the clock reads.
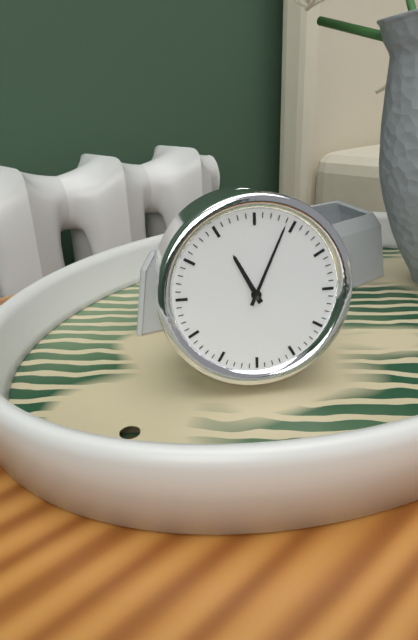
11:04
